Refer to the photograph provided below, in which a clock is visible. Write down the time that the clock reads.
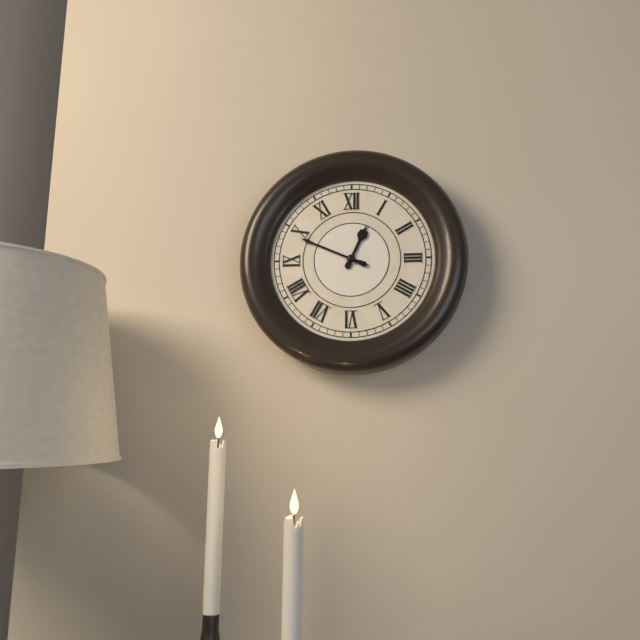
12:49
